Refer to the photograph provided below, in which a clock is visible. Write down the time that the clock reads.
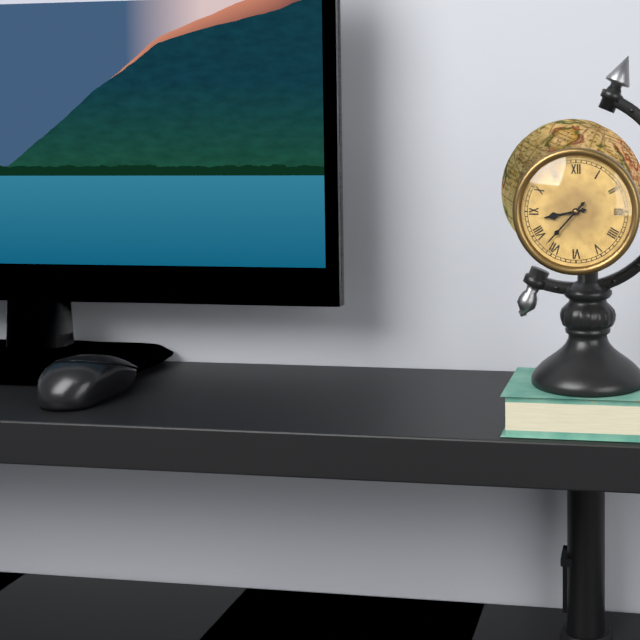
8:37
